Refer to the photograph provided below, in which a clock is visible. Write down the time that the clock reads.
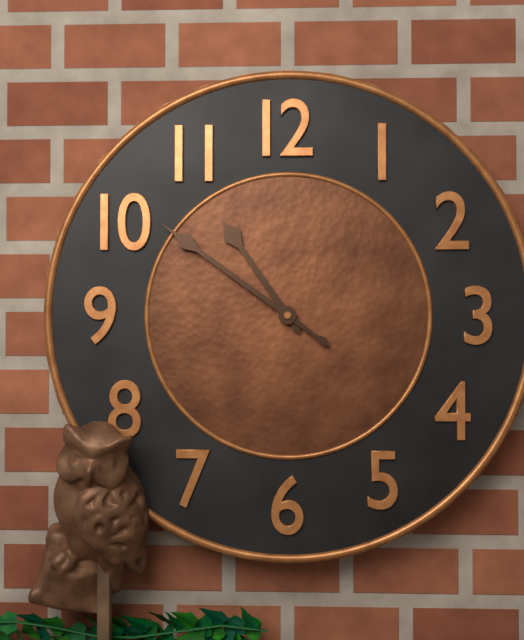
10:51
